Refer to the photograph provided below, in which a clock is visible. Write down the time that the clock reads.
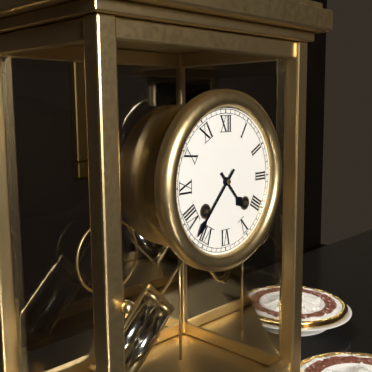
4:37
